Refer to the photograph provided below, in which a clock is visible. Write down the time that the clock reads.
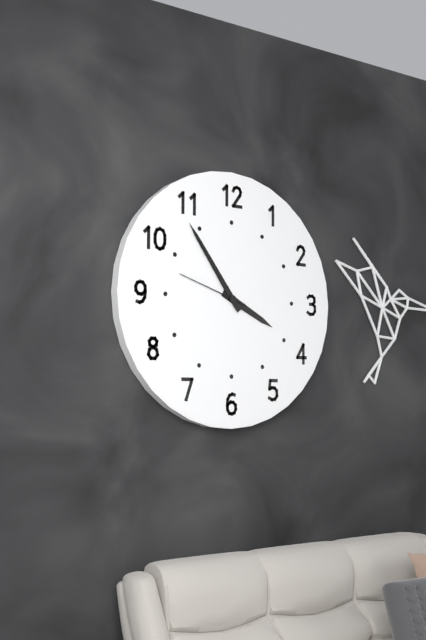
3:54:48
